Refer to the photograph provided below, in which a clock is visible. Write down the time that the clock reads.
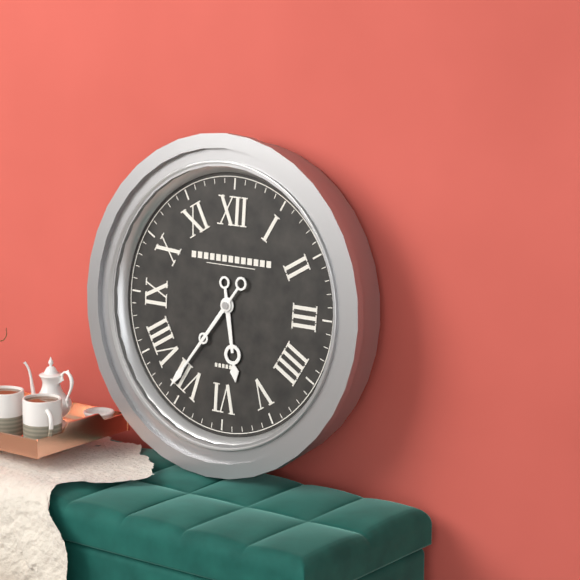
5:36
